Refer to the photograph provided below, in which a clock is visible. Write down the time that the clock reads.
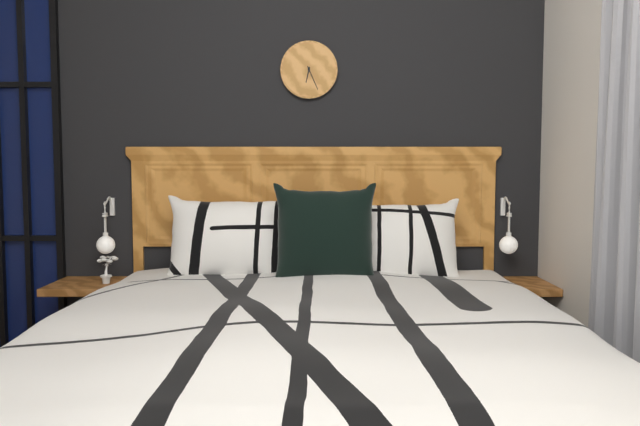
6:26
